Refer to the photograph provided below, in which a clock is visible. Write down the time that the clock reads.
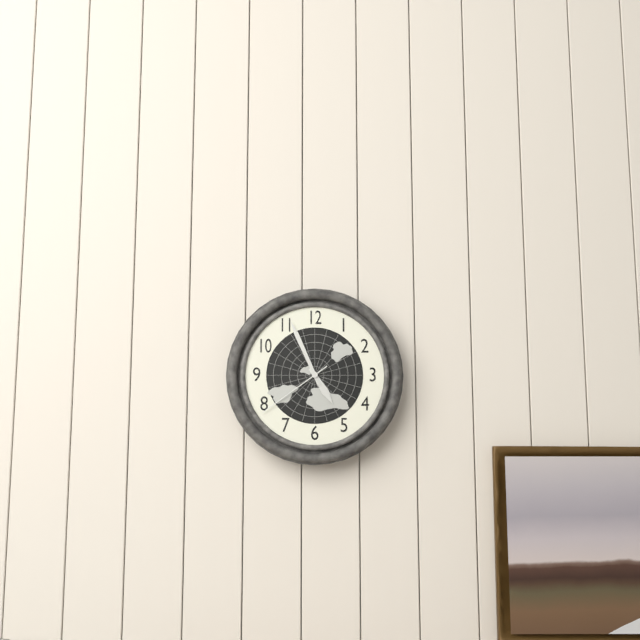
4:56:39
